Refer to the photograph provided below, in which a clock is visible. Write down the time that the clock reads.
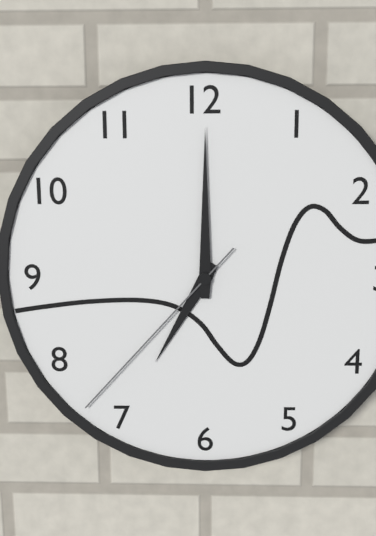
7:00:37
